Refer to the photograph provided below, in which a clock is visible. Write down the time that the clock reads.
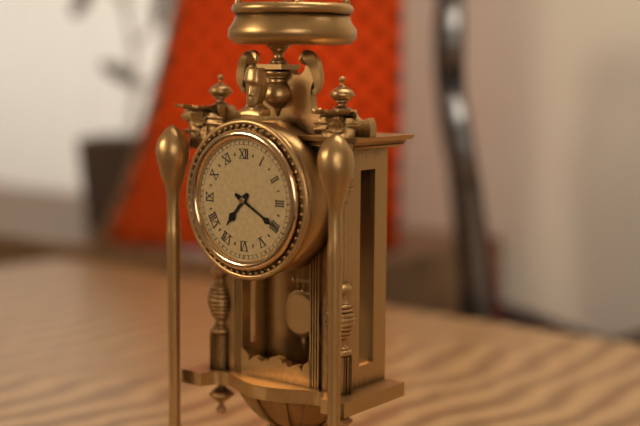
7:20
